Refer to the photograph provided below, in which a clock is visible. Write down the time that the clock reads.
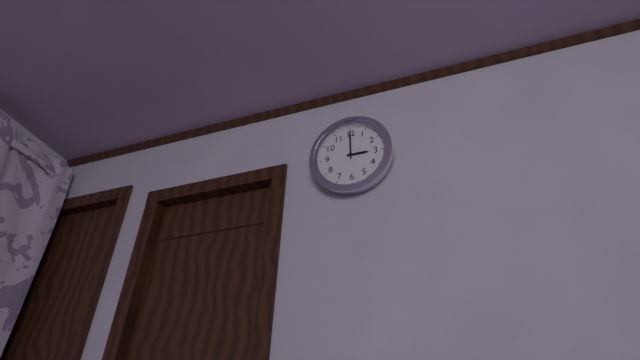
3:00
